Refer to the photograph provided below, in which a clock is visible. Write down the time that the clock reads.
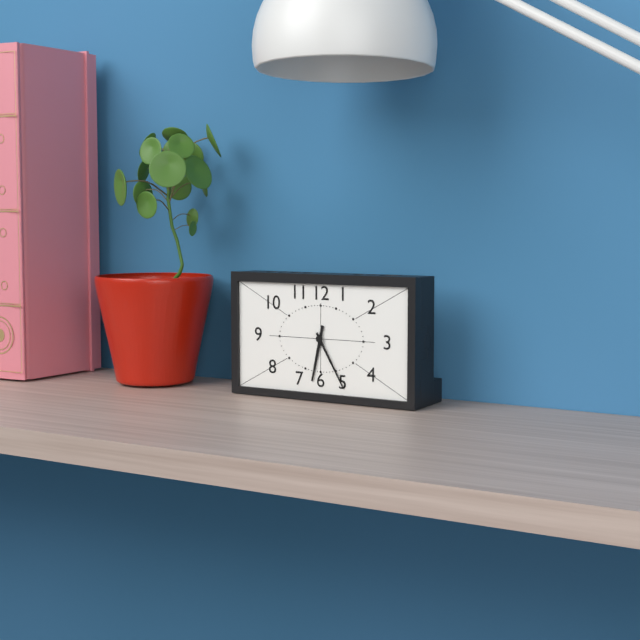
6:25
